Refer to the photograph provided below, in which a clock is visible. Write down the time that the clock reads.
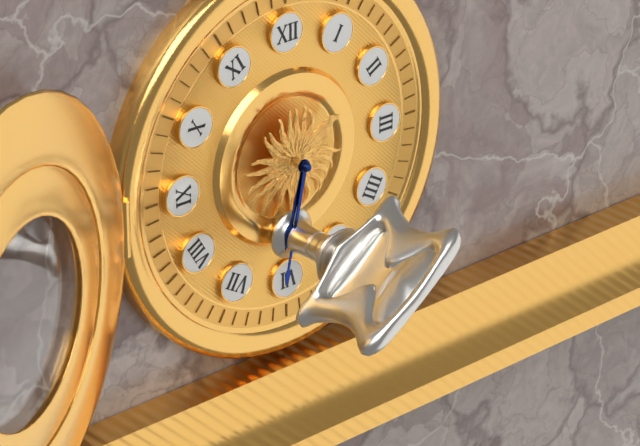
6:32
